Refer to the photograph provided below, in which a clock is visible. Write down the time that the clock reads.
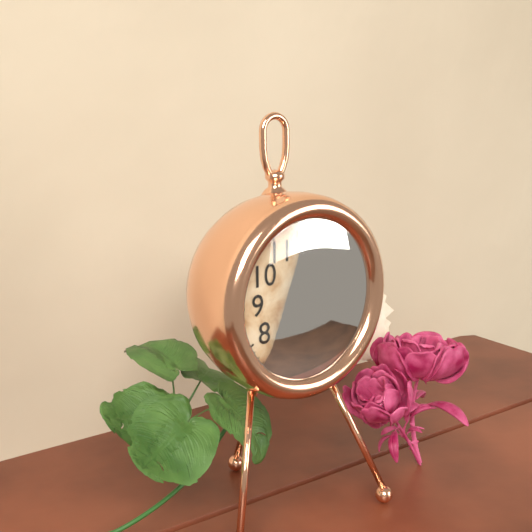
3:23
